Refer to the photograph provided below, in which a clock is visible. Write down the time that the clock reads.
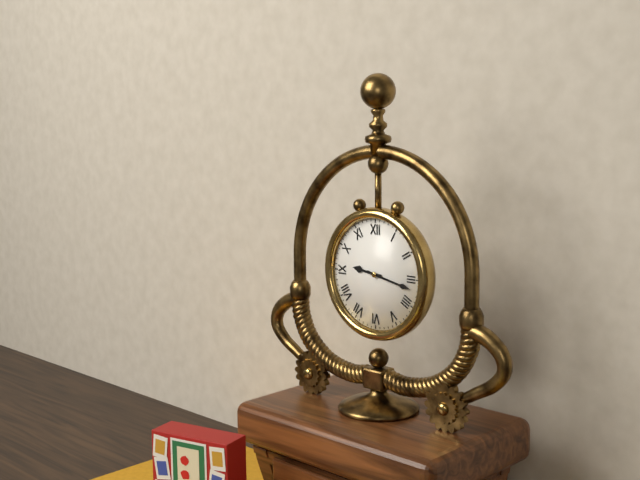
9:17
